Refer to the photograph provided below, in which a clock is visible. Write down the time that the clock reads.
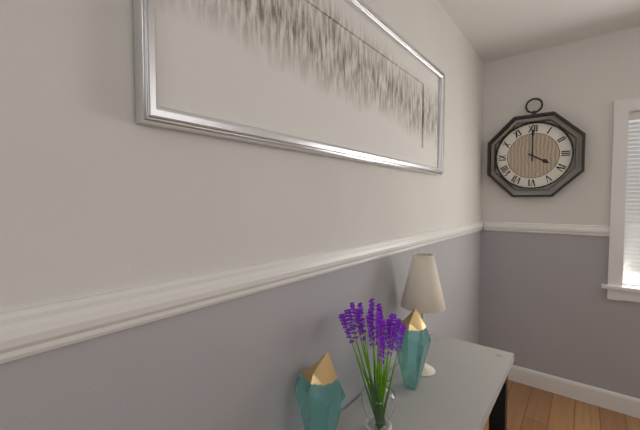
4:00
